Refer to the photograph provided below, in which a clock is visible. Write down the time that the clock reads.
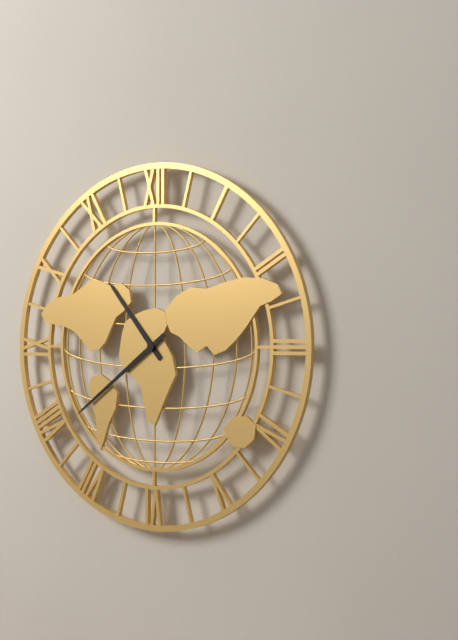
10:39
